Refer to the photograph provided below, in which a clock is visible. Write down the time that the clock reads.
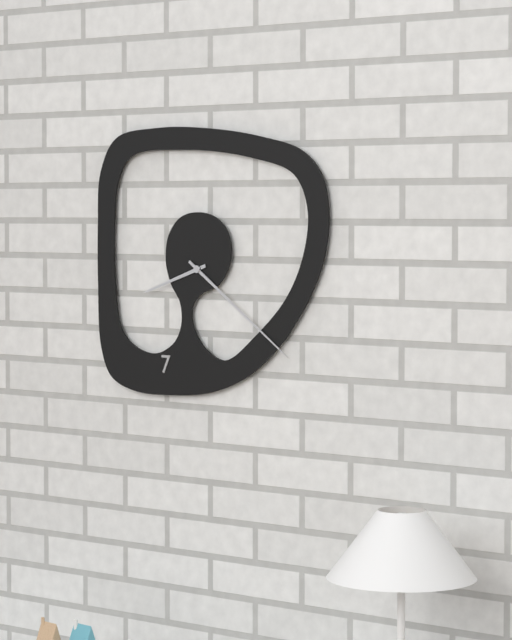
8:21
